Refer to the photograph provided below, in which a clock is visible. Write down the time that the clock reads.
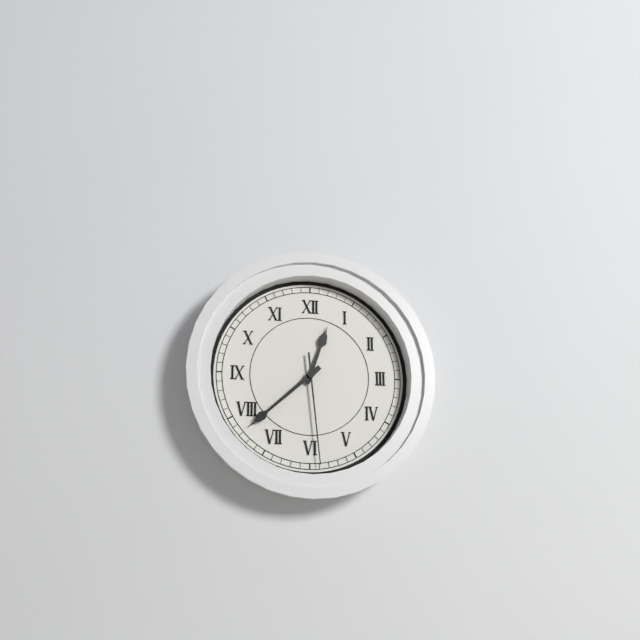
12:38:29
